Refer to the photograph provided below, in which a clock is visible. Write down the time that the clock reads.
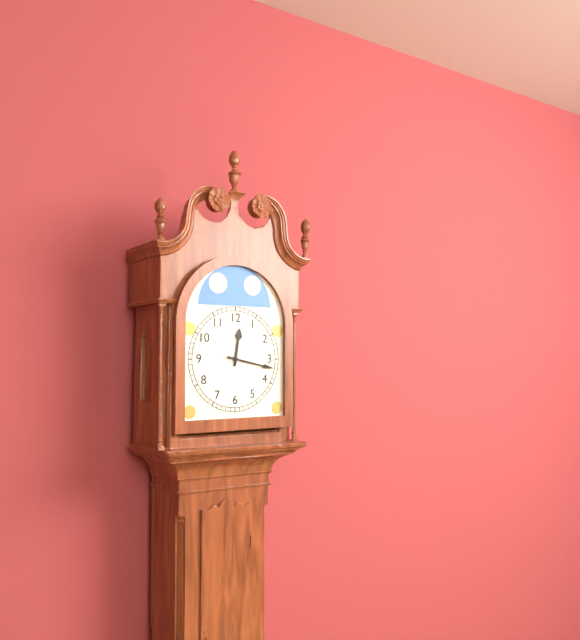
12:17
